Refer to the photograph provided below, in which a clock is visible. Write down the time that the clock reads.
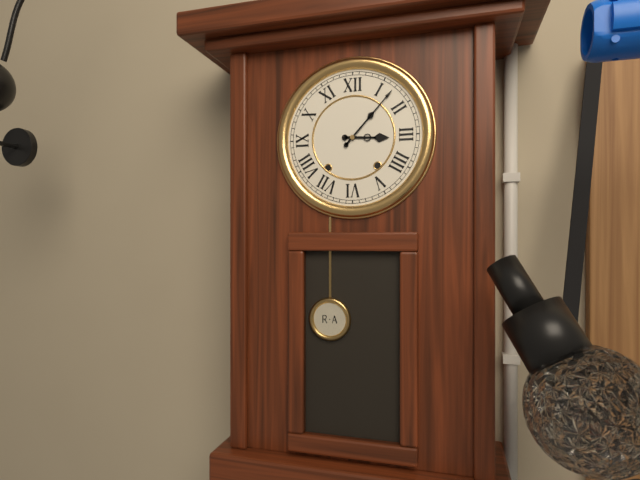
3:07
